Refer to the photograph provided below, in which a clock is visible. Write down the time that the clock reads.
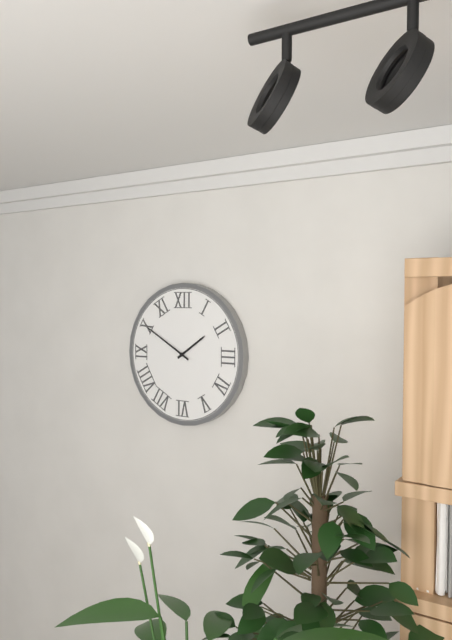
1:50
